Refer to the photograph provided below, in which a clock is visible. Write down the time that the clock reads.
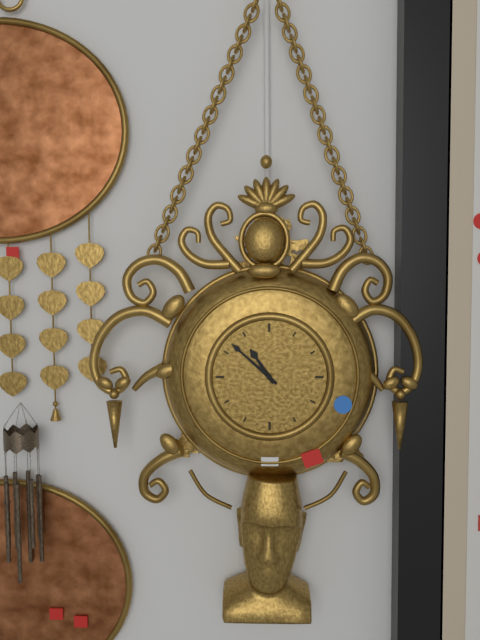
10:52
